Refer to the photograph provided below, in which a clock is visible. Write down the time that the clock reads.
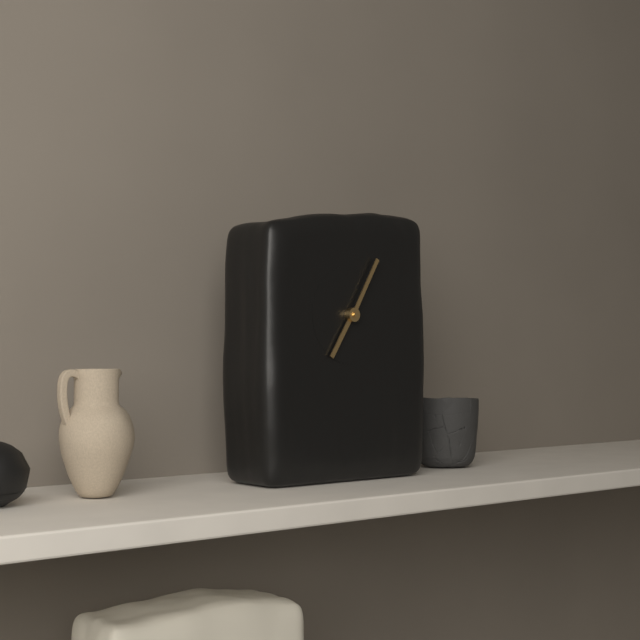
7:05
